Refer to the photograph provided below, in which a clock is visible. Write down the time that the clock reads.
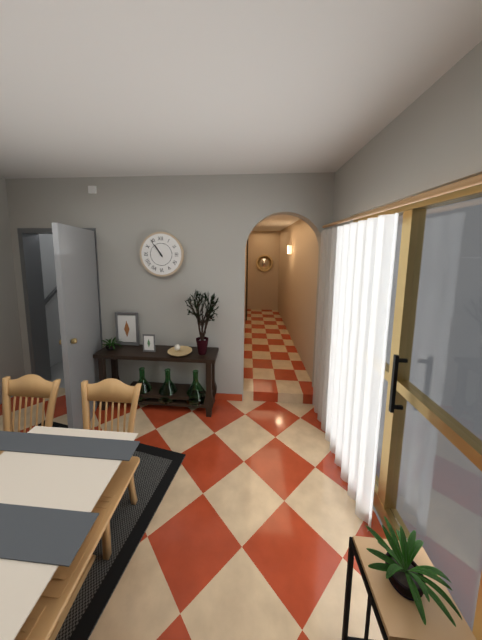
10:54
